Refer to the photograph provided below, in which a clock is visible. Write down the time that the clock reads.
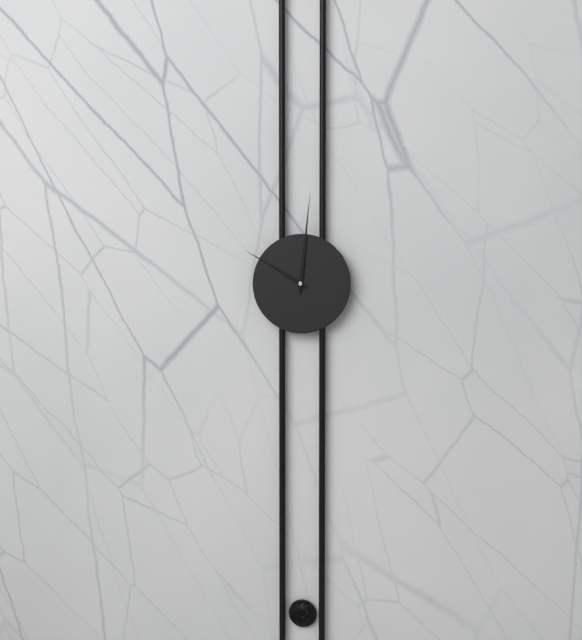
10:01
